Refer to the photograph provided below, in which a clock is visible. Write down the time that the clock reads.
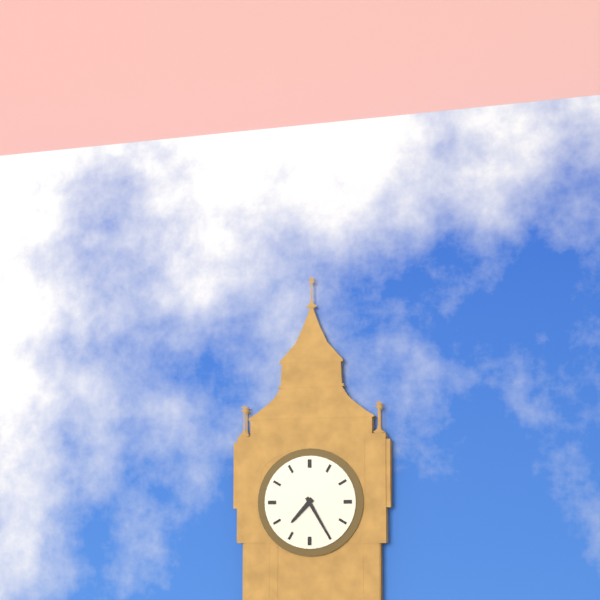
7:25
